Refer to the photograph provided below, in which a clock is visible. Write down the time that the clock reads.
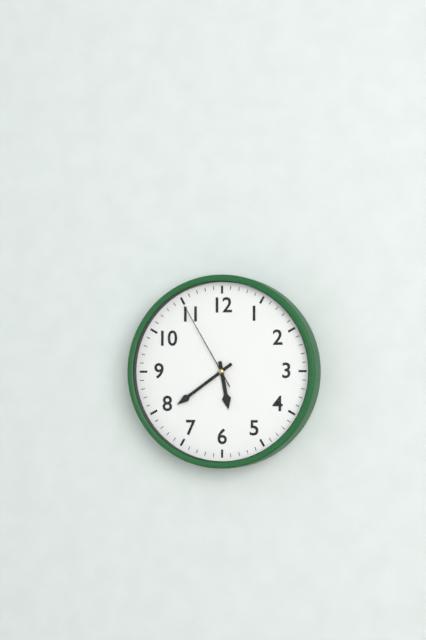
5:39:55
